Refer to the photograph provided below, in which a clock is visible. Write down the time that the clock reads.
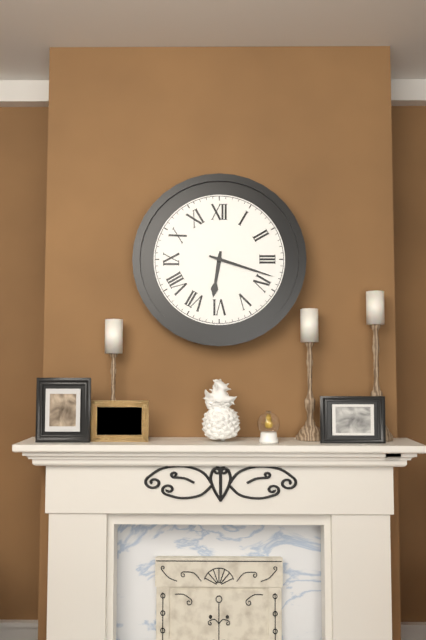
6:18
